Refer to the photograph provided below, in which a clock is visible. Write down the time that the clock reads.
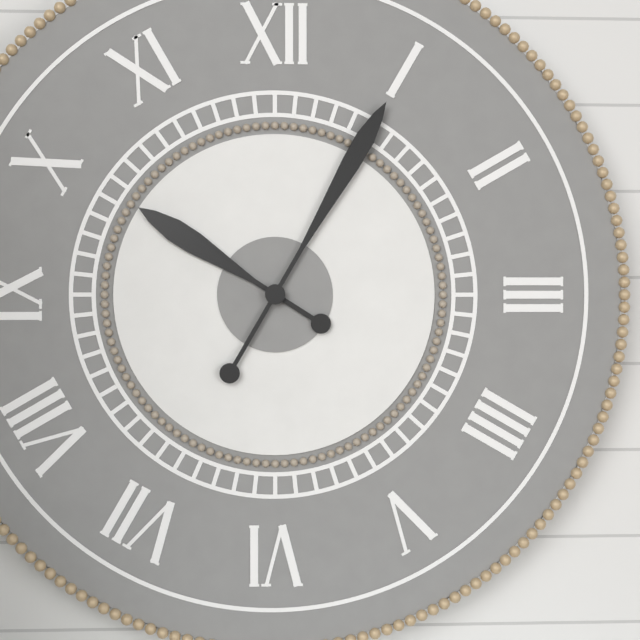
10:05
